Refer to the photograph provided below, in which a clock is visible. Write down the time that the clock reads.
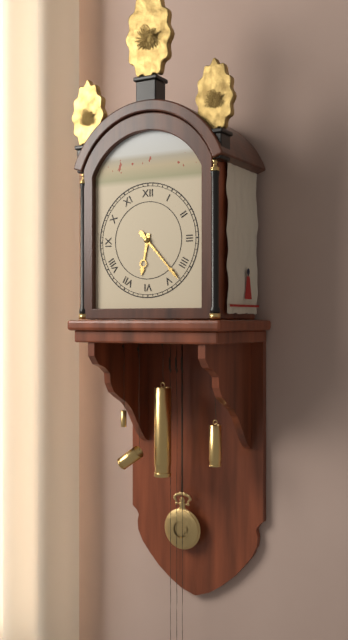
6:23
